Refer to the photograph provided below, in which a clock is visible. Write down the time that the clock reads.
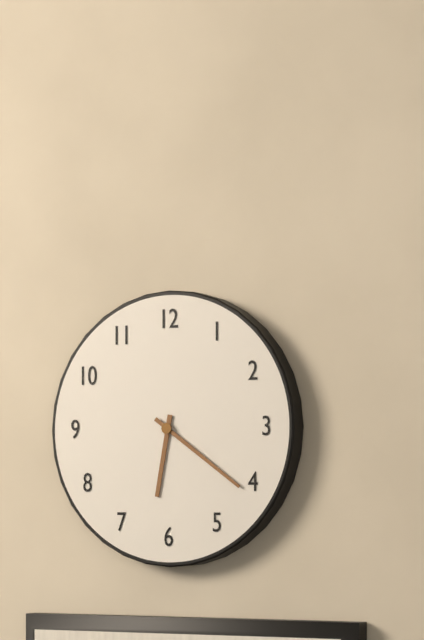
6:21
